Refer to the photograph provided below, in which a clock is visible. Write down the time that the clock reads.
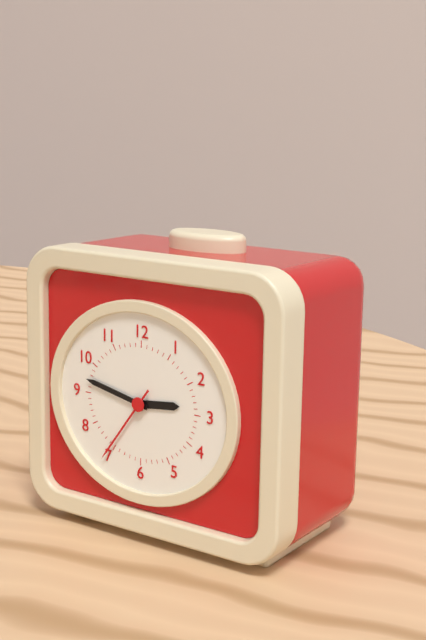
2:47:36
